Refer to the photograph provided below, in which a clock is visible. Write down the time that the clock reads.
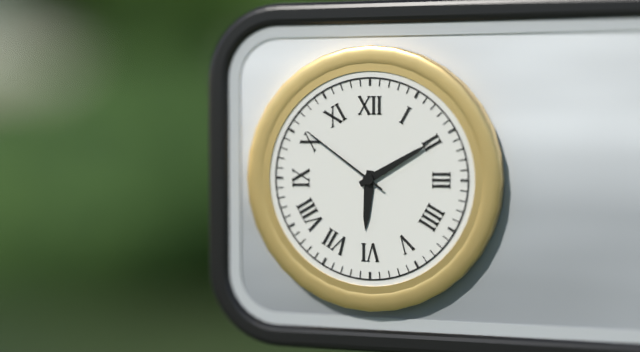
6:10:51
